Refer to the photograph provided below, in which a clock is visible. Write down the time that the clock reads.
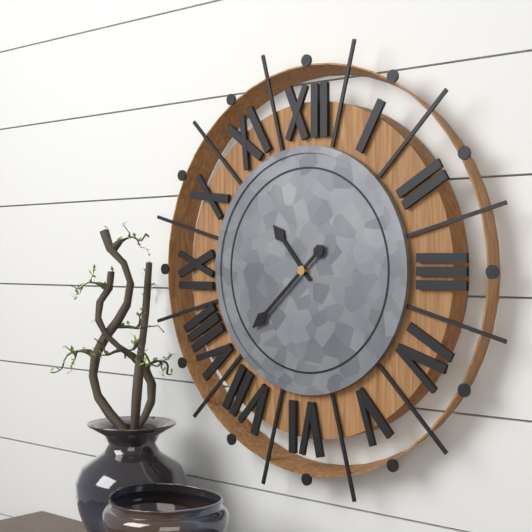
10:38
